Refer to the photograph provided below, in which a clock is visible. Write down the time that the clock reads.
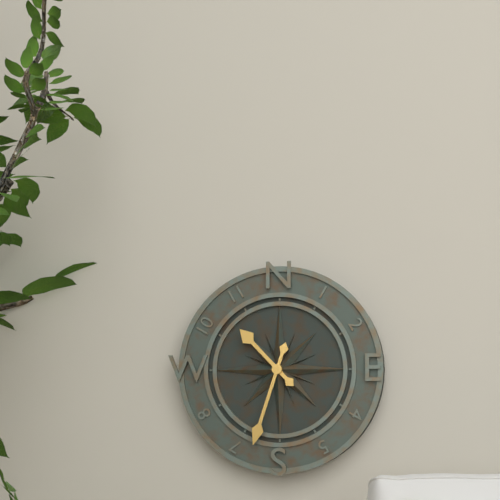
10:33
